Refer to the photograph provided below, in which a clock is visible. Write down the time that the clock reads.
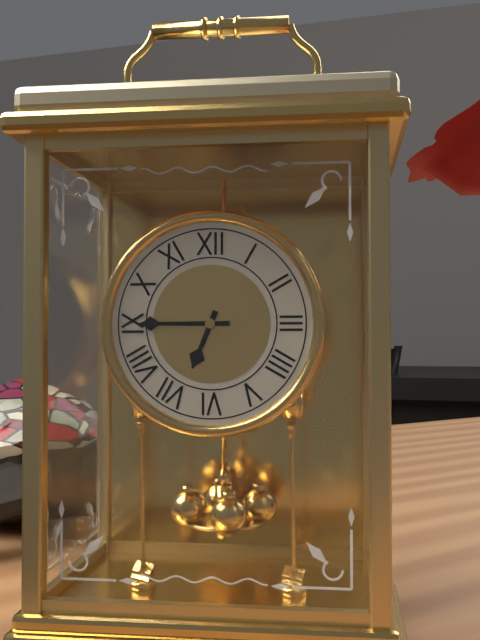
6:45
